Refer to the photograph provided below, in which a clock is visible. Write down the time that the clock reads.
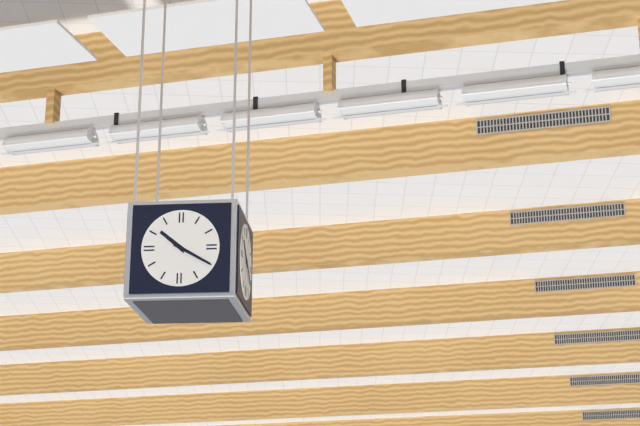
10:20
